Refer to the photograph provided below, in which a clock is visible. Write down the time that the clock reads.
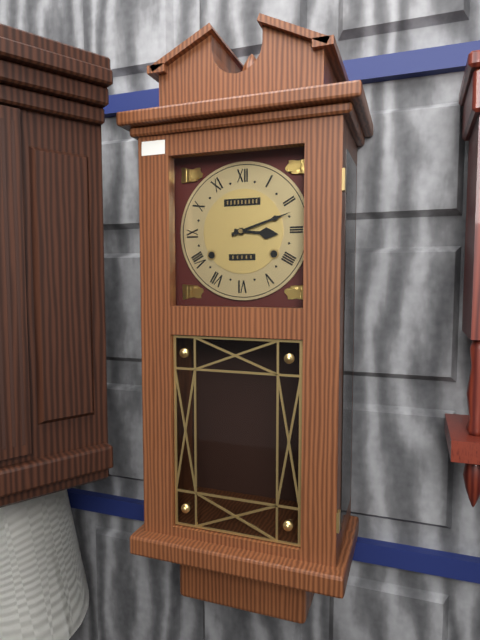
3:12
